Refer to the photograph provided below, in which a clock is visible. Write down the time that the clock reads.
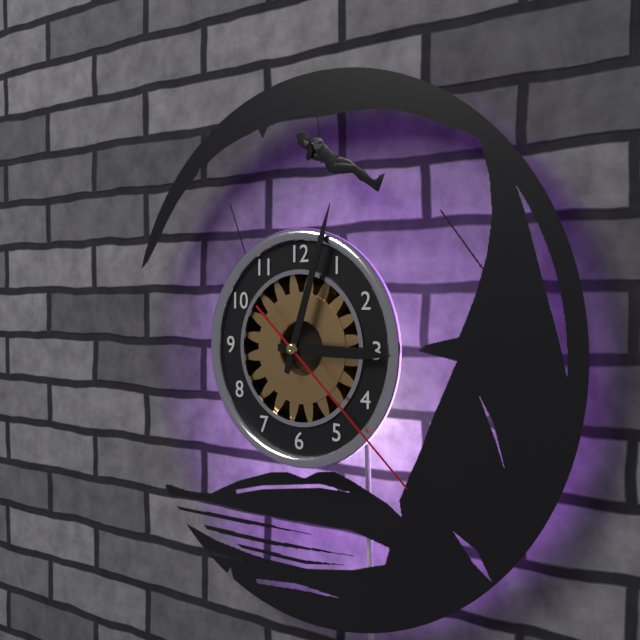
3:03:22
